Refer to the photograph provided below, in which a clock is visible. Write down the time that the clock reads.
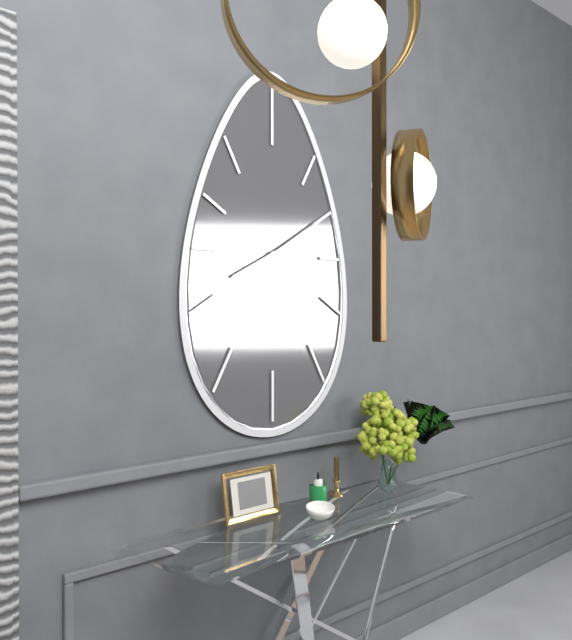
8:10
